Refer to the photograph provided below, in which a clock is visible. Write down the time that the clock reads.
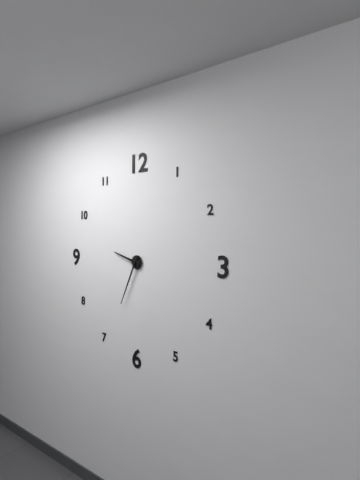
9:34
